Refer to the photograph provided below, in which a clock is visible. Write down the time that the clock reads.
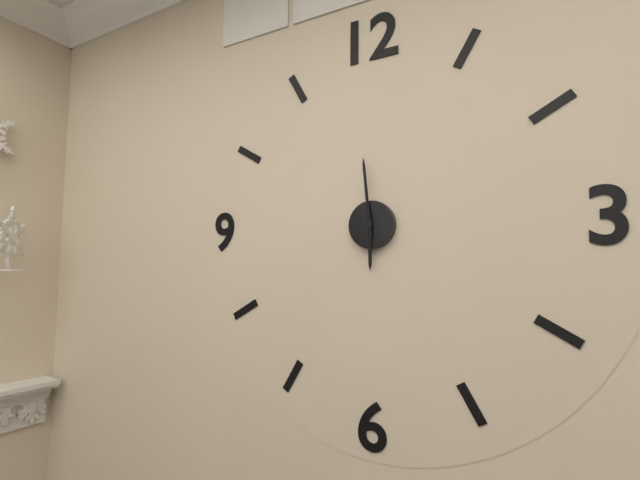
5:59
